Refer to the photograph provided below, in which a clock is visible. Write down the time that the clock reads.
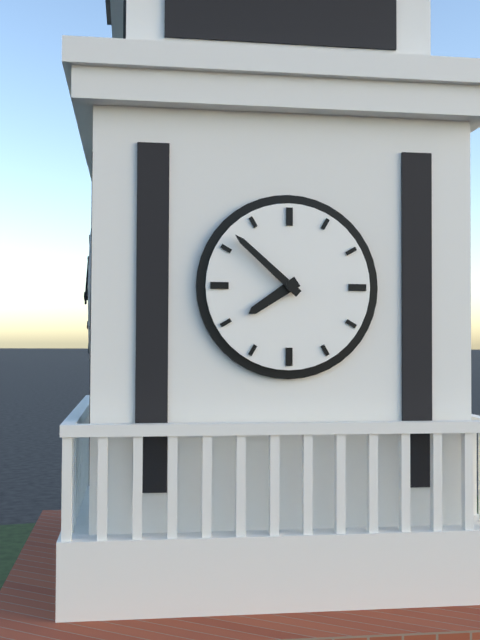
7:52
